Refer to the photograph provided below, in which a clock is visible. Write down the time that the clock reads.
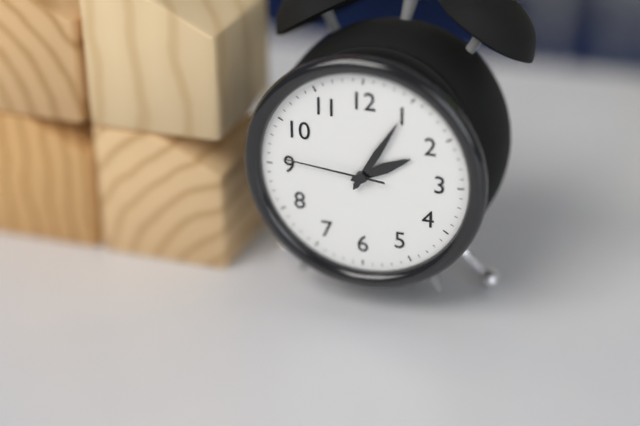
2:05:46
